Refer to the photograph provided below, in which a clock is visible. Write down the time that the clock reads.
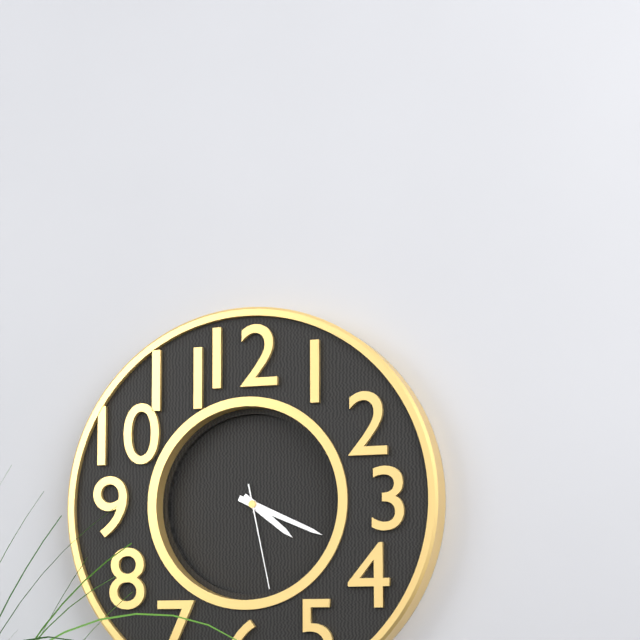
4:19:28
